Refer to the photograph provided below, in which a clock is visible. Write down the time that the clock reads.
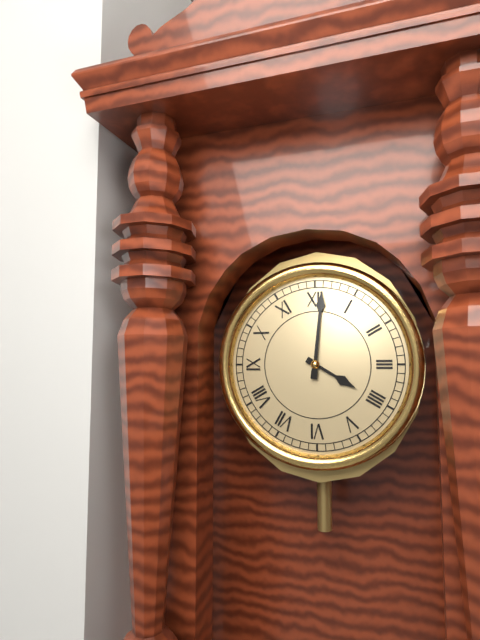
4:01
